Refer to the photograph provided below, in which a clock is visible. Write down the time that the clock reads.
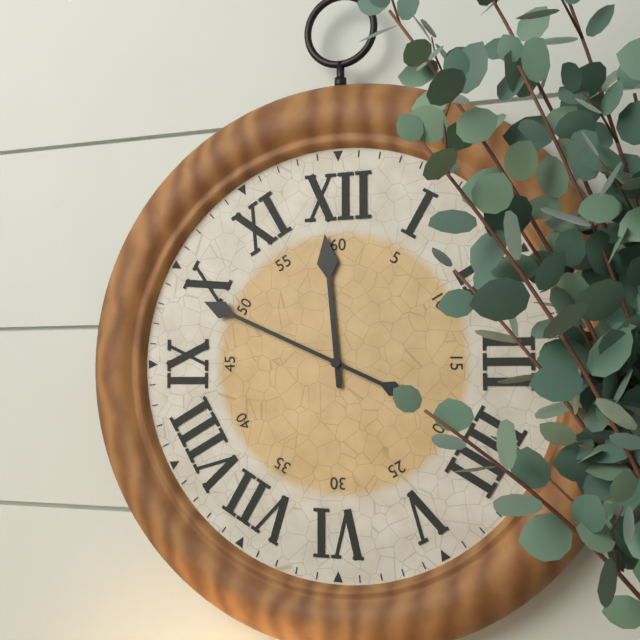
11:49
